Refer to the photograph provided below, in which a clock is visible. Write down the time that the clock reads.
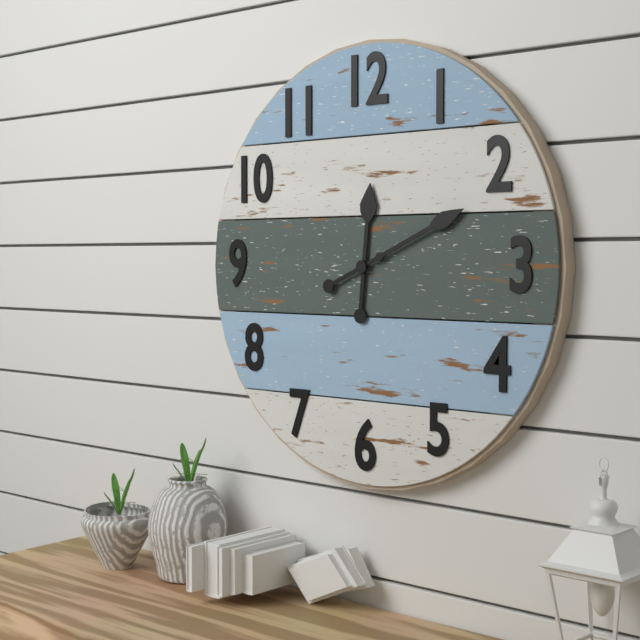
12:11
